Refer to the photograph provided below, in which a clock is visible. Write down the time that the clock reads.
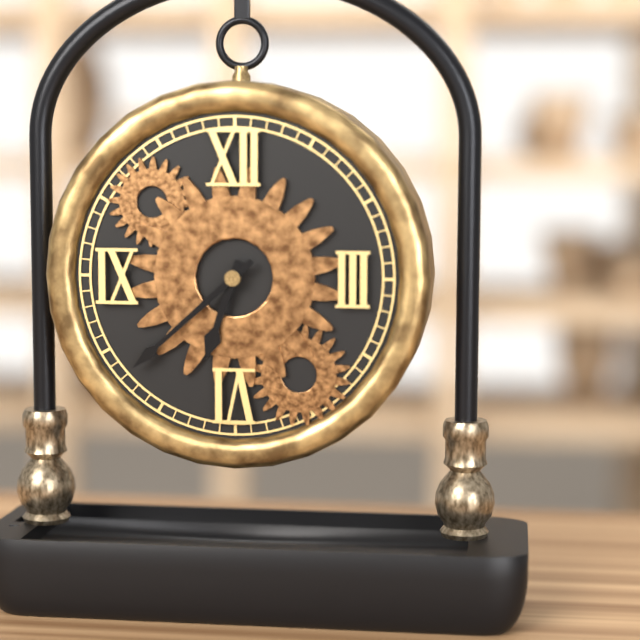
6:38
